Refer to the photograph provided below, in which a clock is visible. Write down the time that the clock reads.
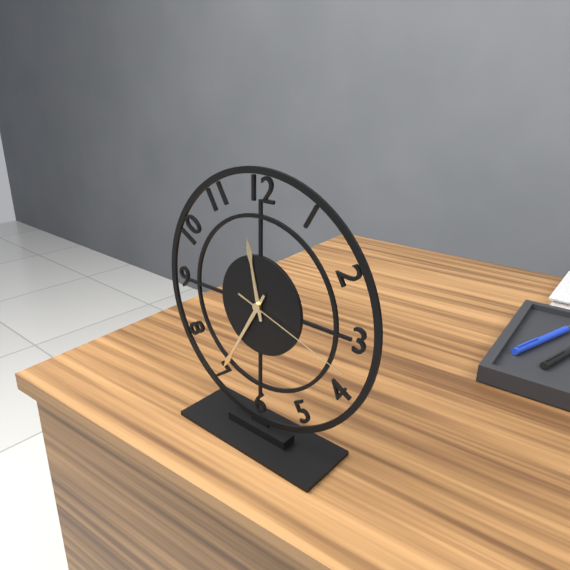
11:35:18
